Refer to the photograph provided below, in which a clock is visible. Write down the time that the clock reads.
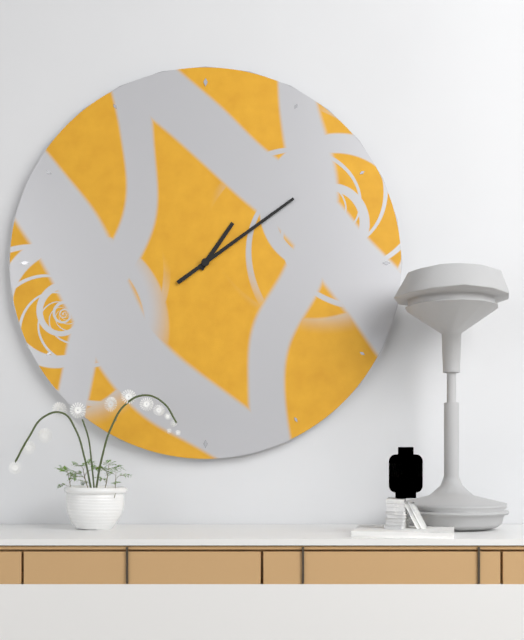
1:09
